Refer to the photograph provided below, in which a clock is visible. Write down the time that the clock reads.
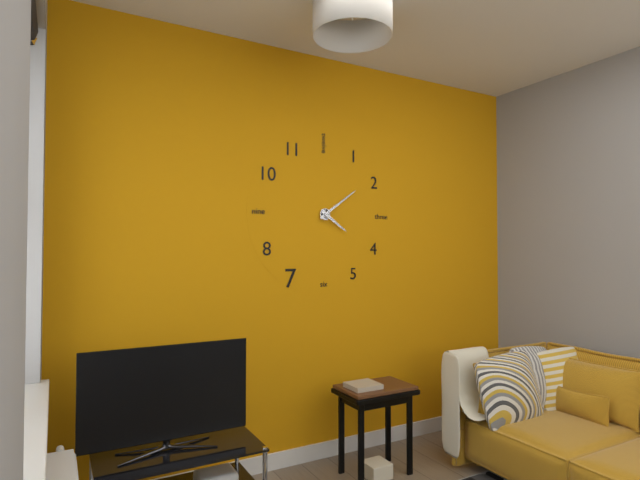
4:09
